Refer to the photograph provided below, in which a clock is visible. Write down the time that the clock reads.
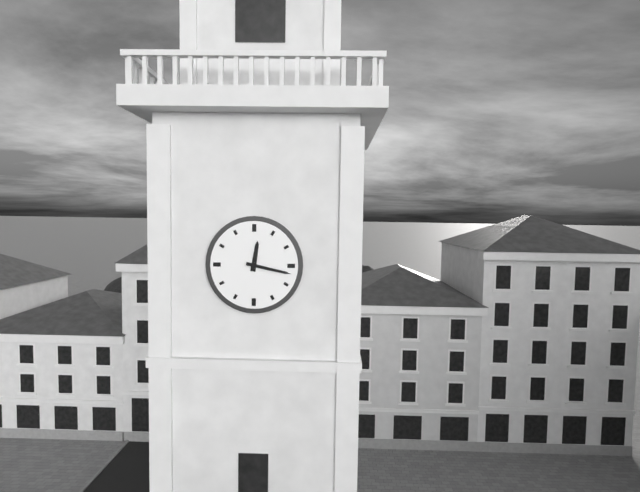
12:17
